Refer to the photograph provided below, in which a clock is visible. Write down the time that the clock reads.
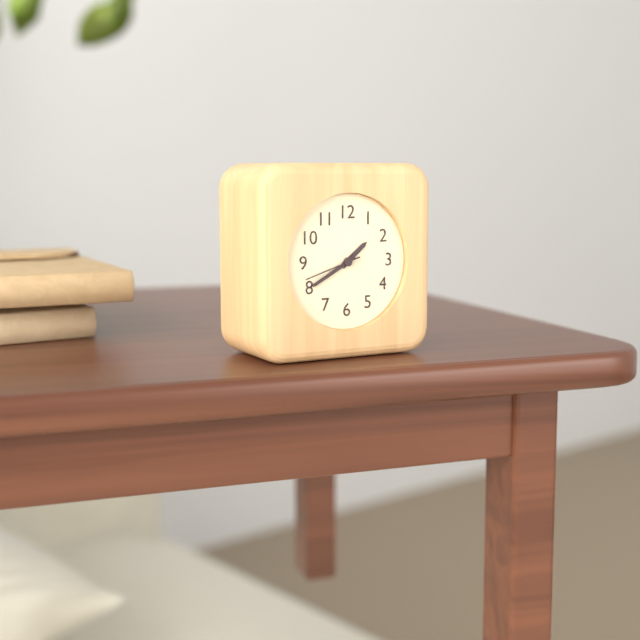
1:40:42
